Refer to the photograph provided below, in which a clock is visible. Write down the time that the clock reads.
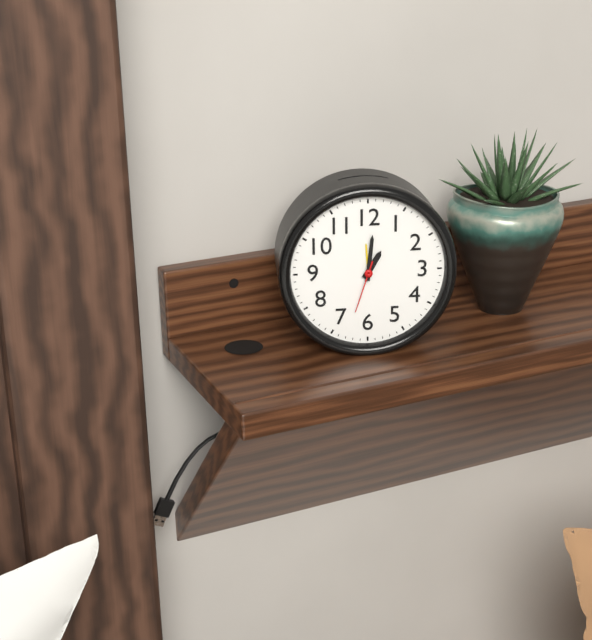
1:01:33
